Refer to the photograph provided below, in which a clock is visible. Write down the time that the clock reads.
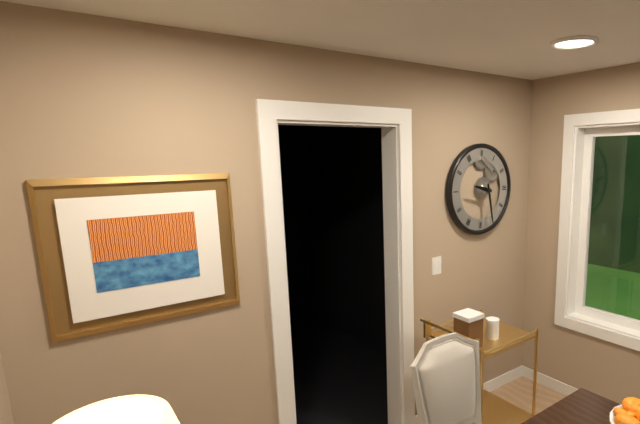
9:28
